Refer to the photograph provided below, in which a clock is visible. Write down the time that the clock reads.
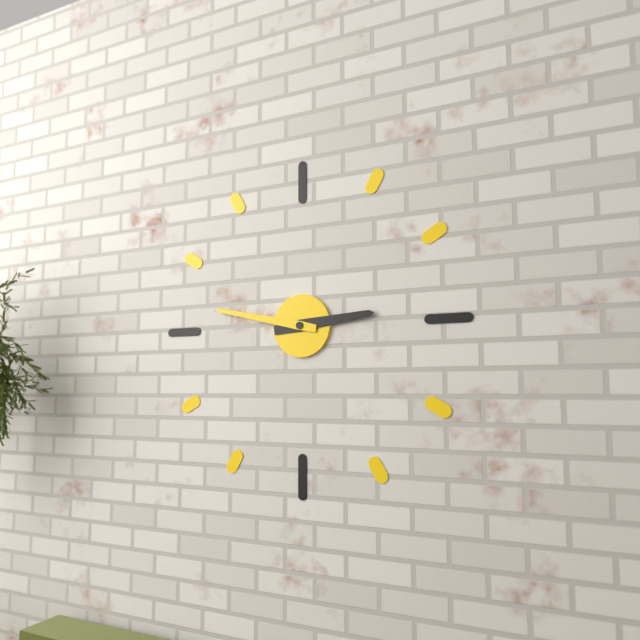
2:47
